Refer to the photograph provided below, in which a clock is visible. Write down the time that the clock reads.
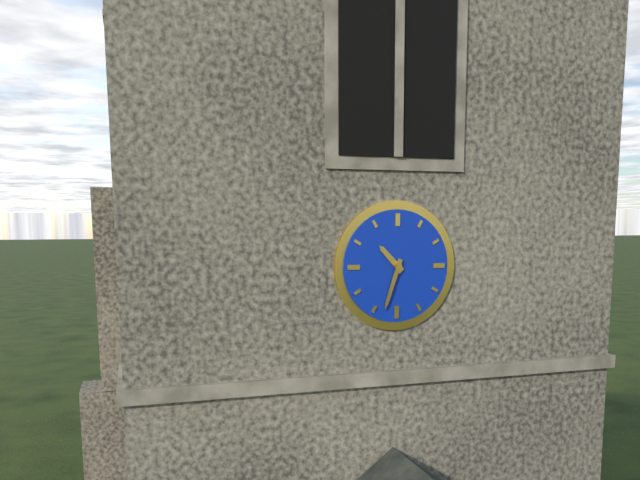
10:33
